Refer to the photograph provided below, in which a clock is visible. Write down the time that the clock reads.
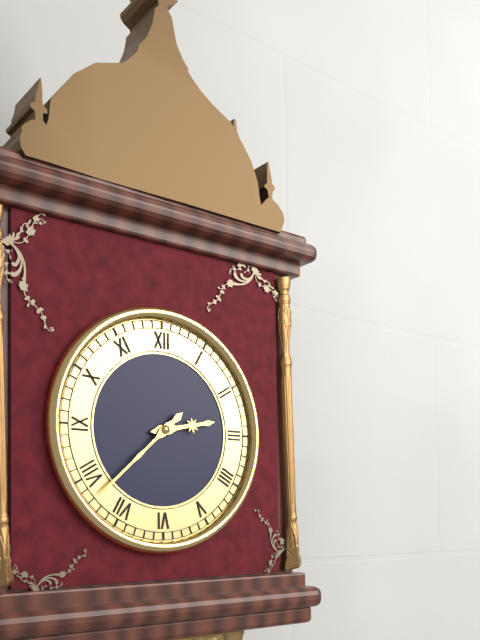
2:38
